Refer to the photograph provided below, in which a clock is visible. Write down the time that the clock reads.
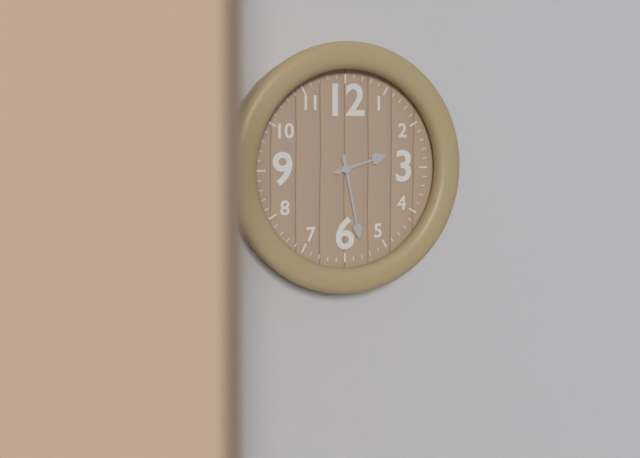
2:28
